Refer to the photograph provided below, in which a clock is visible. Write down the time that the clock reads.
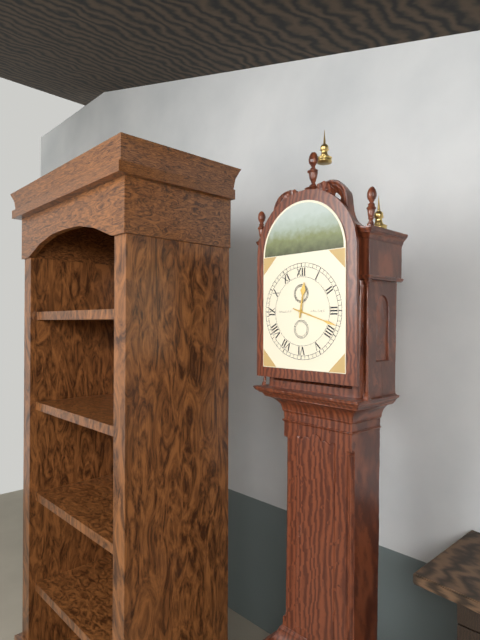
12:18
